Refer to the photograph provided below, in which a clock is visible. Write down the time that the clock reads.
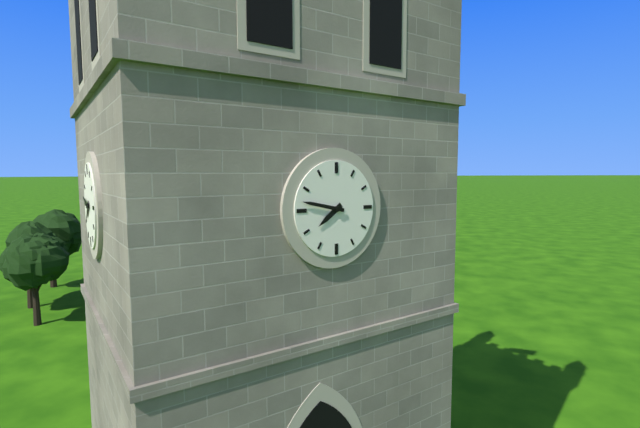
7:47
